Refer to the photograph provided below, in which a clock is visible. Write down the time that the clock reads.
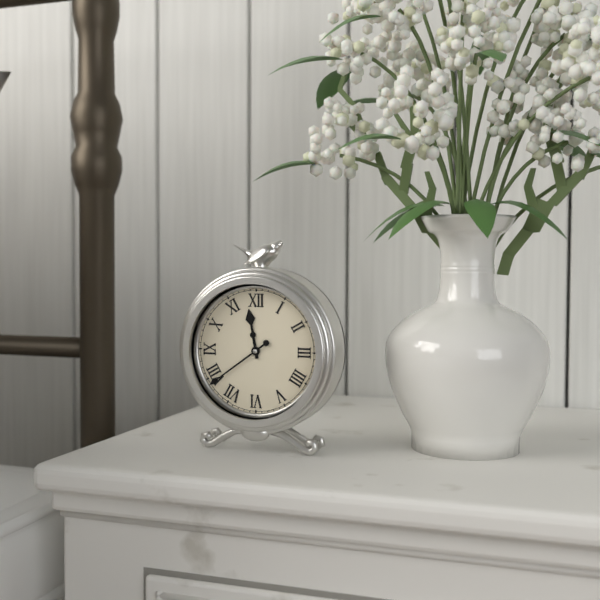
11:39
